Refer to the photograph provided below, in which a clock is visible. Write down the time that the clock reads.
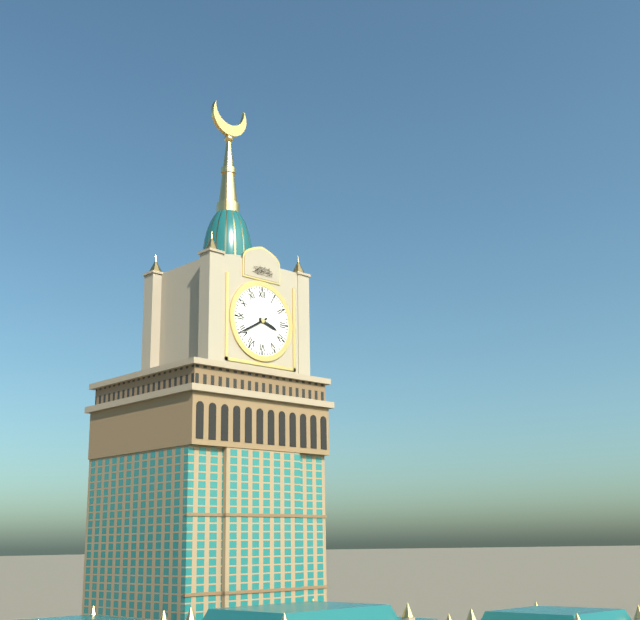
3:40
